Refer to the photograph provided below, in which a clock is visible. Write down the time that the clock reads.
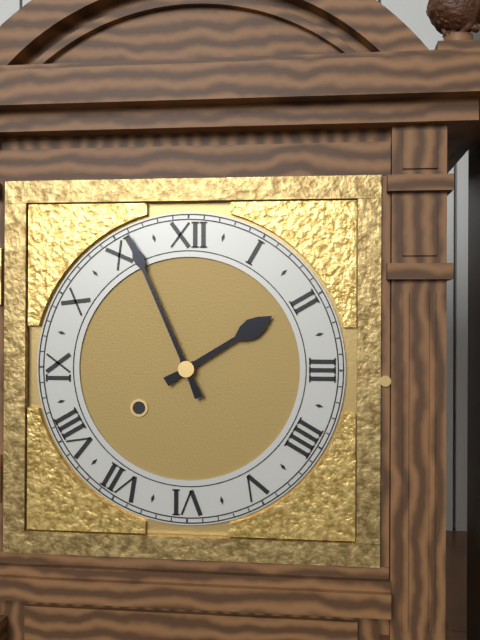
1:56
